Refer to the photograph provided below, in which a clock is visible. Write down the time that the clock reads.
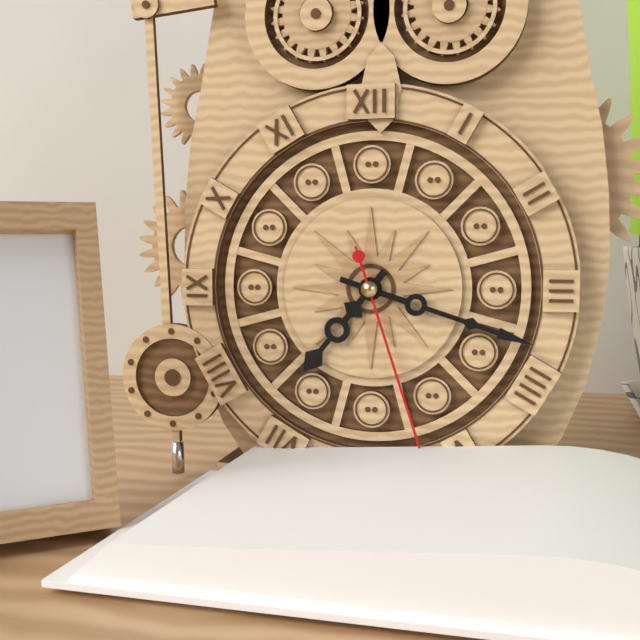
7:18:27
